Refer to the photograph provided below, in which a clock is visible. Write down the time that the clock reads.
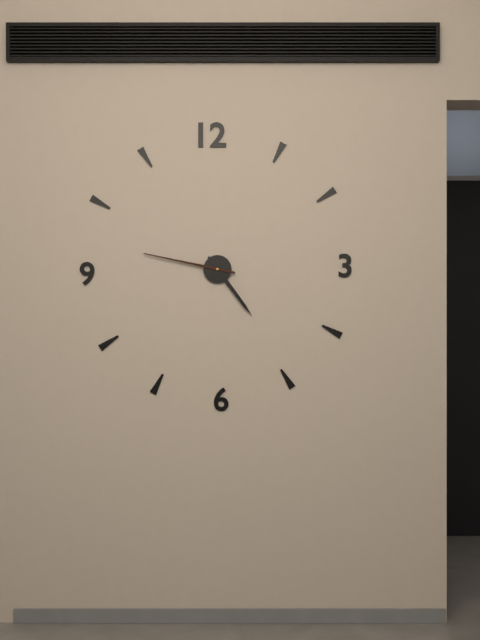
4:47
